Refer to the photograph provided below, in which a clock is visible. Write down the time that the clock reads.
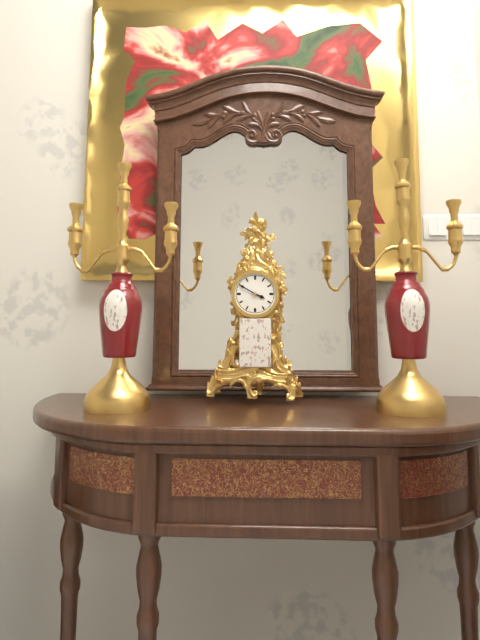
3:50
